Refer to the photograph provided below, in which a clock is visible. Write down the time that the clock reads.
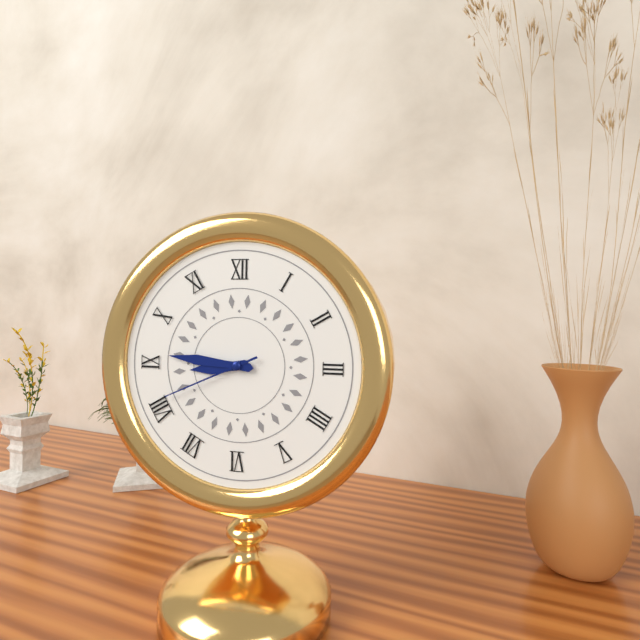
8:46:41
